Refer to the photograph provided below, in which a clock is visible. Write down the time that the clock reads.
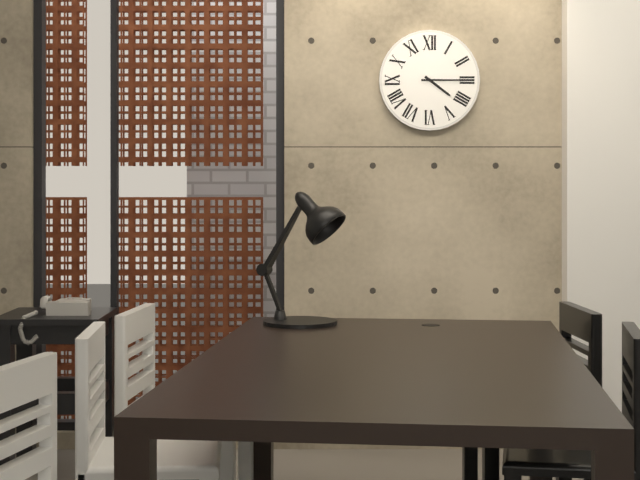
4:15
